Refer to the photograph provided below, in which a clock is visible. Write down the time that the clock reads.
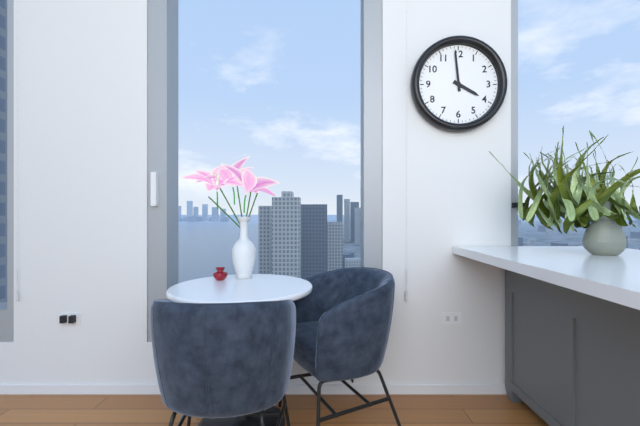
3:59
